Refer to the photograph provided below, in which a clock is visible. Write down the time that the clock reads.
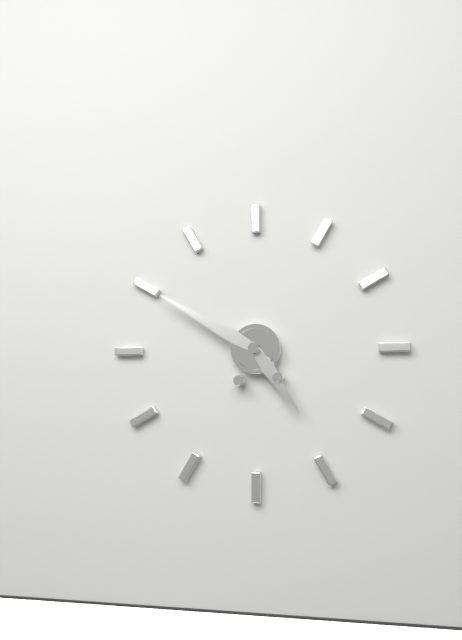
4:50
